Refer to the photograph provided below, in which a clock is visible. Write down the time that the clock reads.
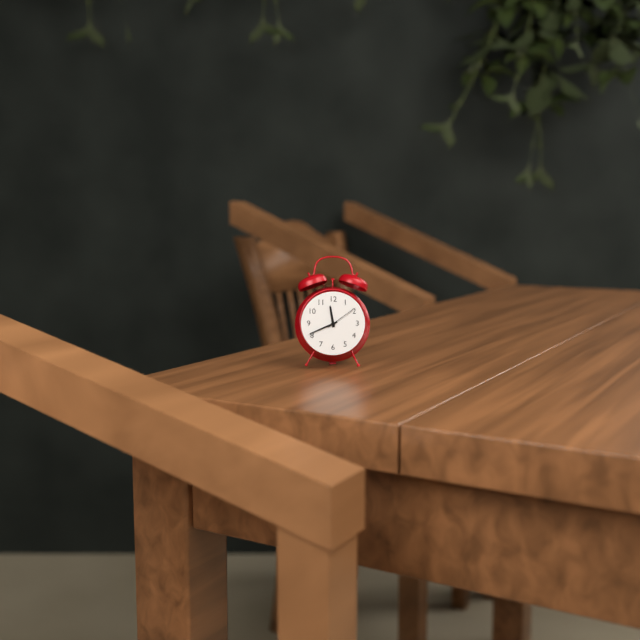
11:41
